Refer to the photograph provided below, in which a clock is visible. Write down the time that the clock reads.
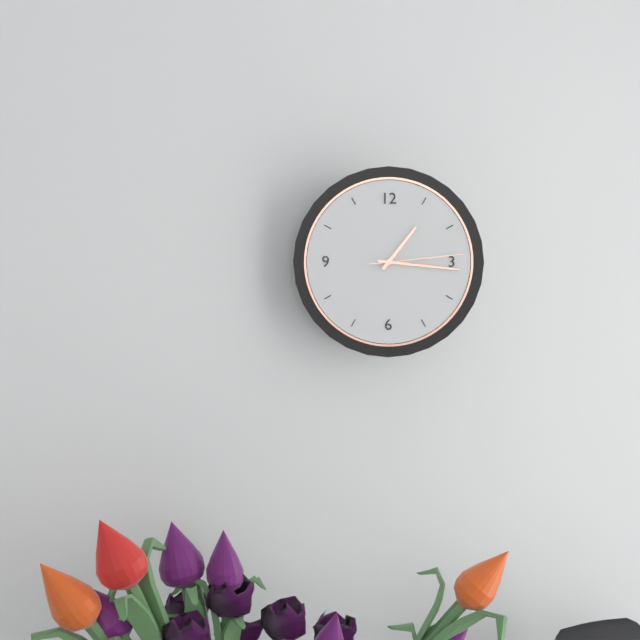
1:16:14
